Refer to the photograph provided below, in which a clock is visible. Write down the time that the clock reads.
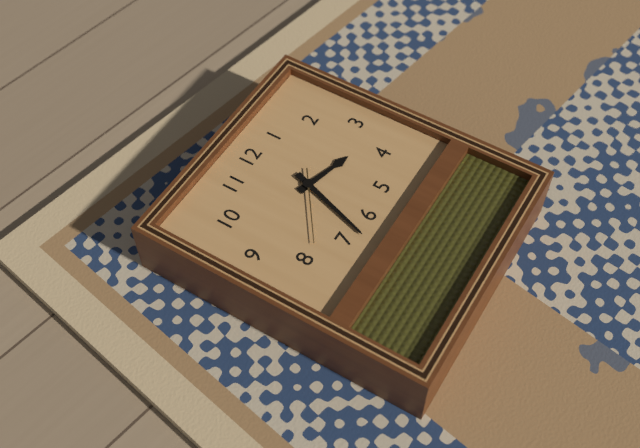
3:33:39
